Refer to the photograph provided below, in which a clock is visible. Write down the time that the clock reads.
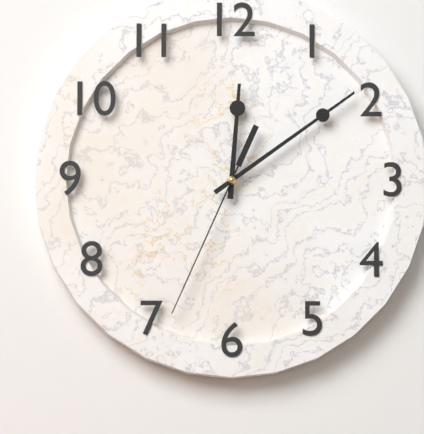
12:09:34
